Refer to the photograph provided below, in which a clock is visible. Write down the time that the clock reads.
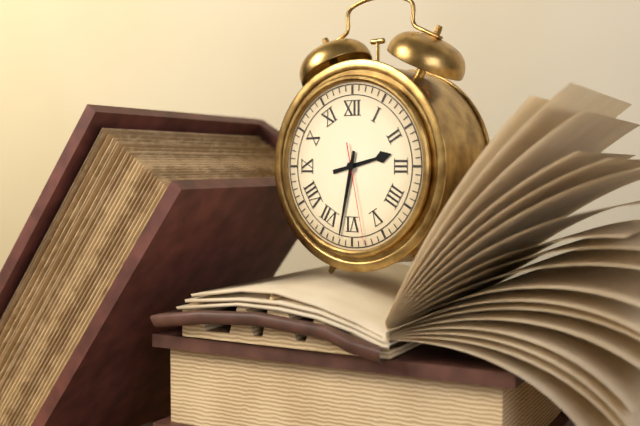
2:32:28
